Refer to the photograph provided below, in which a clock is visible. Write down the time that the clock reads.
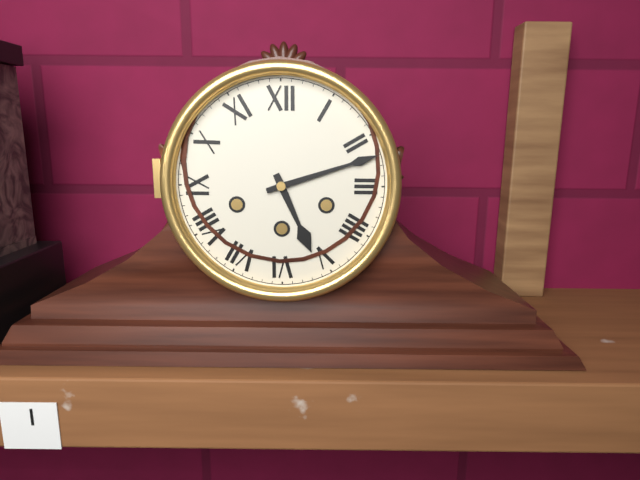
5:12
